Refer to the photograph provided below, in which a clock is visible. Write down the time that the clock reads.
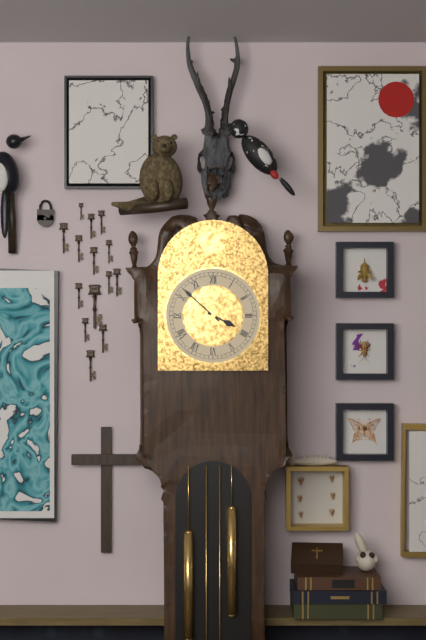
3:52
